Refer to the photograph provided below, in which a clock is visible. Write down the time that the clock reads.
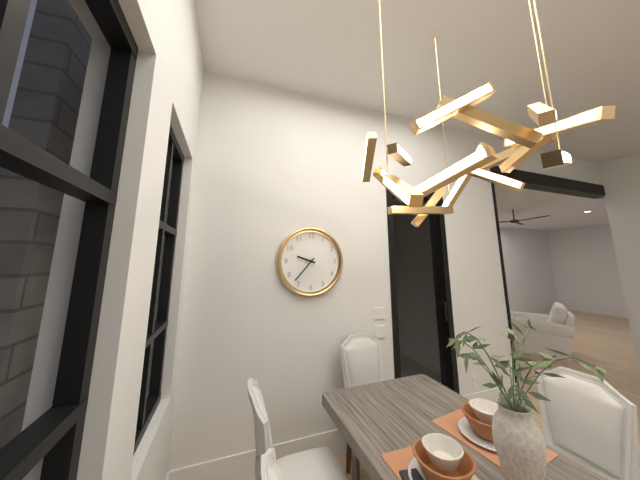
9:37
